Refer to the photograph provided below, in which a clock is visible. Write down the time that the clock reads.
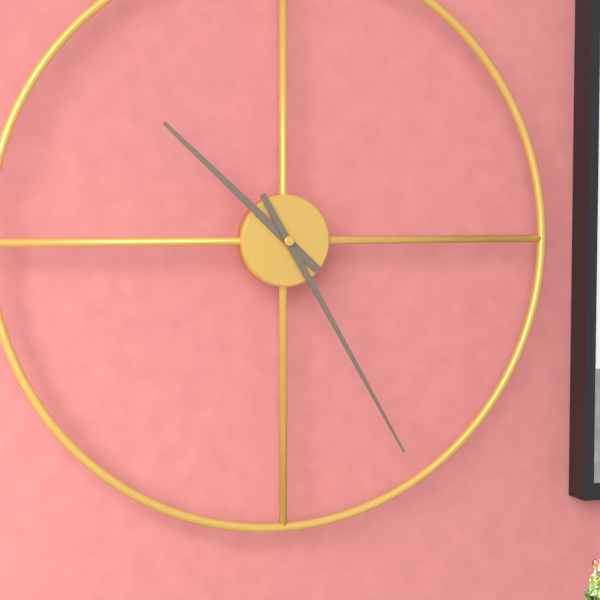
10:25
